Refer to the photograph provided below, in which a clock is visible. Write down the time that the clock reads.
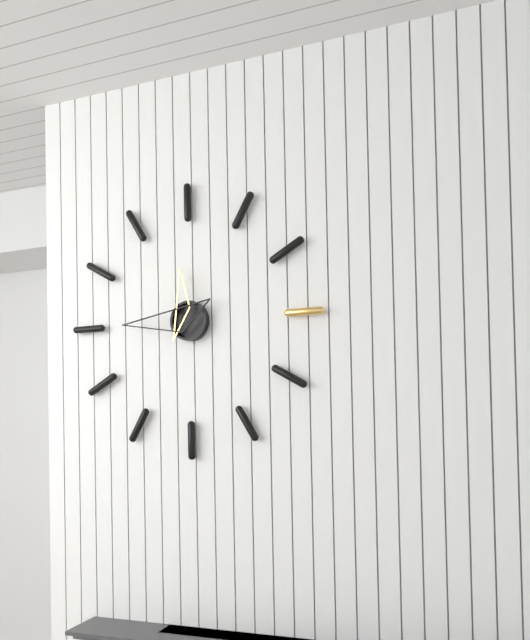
11:45
